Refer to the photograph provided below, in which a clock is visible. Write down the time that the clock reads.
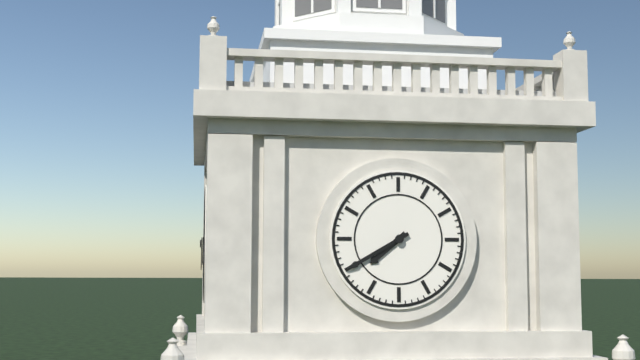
7:40
